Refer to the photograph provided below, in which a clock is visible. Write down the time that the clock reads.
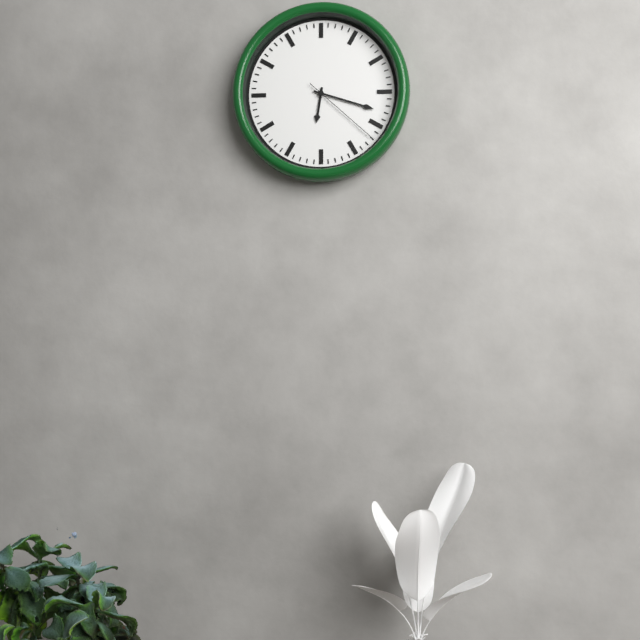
6:18:22
